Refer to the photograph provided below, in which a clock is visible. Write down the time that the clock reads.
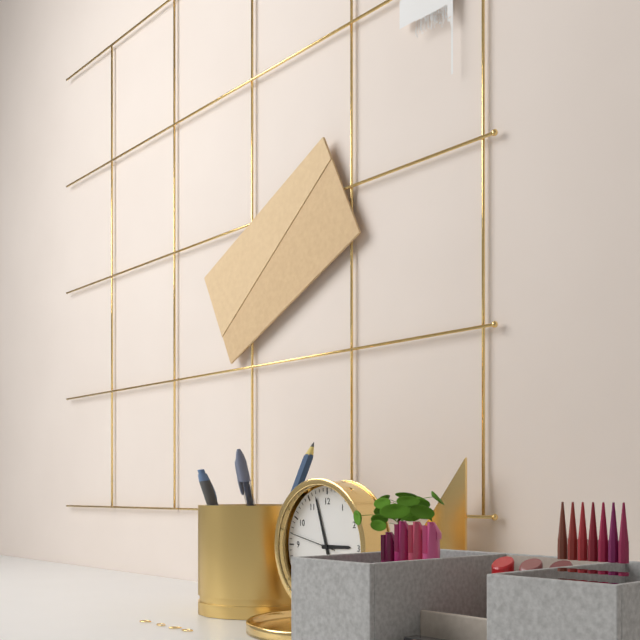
2:57
